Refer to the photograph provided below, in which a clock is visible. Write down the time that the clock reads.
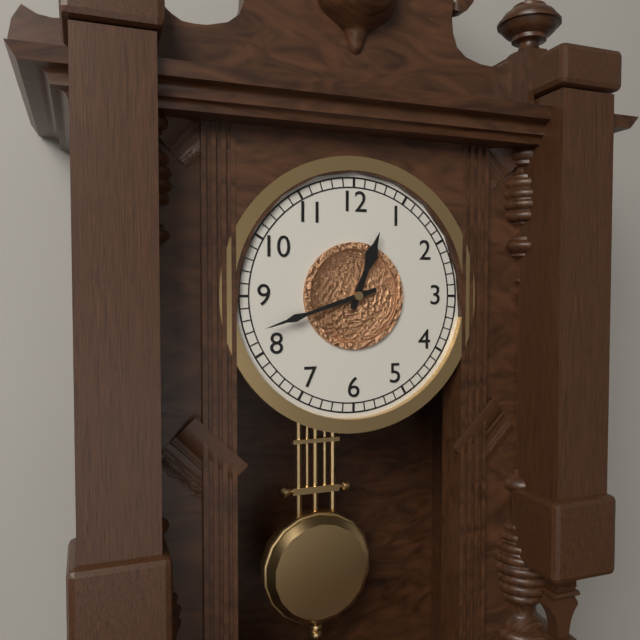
12:42
